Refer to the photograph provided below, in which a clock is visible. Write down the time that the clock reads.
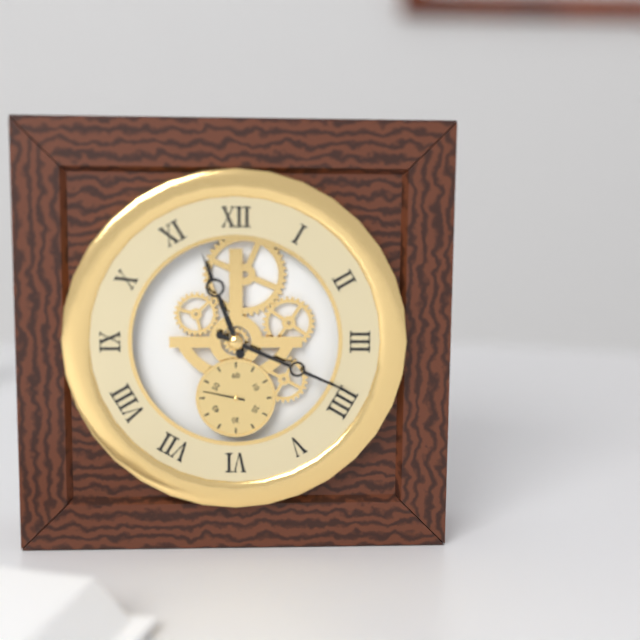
11:19
